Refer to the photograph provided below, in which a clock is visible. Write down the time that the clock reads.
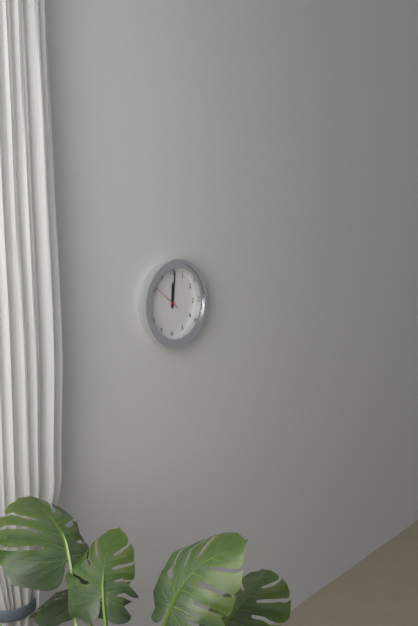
12:01
